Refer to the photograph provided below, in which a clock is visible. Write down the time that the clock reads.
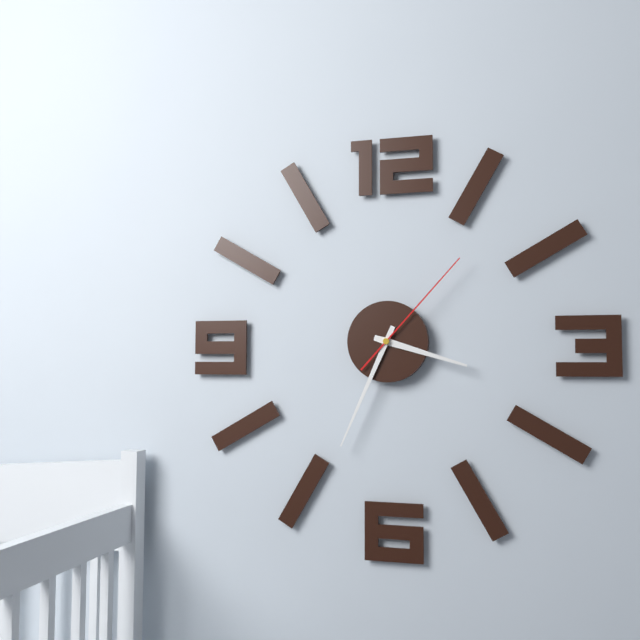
3:34:07
